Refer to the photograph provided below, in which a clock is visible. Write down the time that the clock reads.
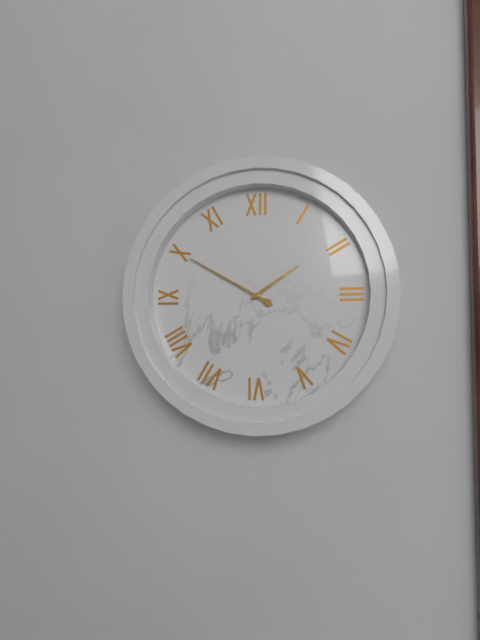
1:50
